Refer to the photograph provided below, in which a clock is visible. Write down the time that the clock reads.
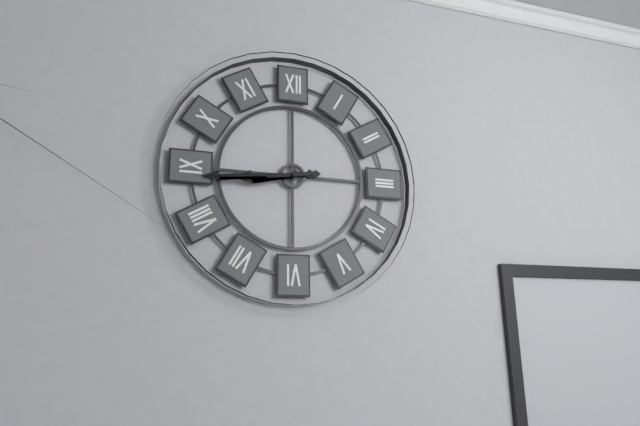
8:44
